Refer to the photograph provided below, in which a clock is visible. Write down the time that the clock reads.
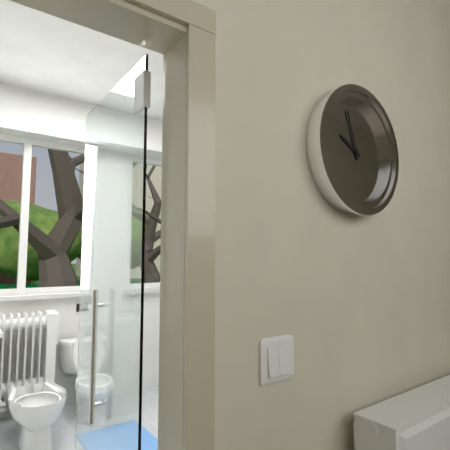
9:57
